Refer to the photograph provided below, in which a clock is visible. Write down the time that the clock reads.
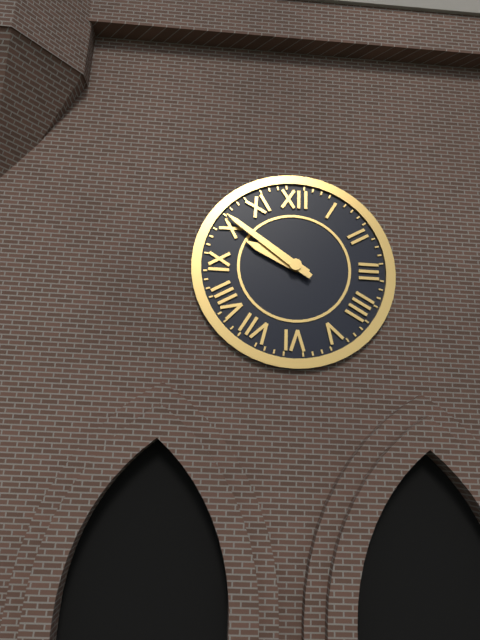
9:51
